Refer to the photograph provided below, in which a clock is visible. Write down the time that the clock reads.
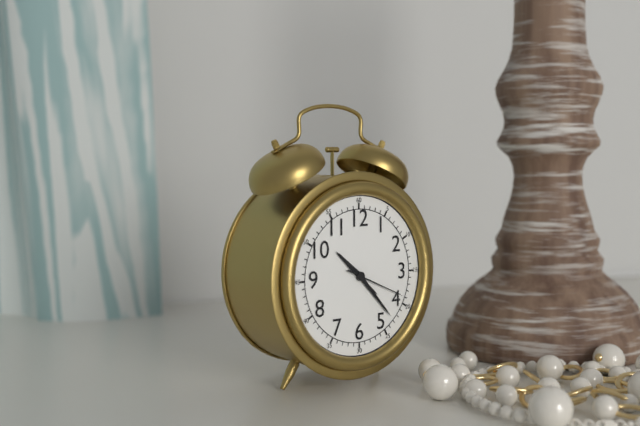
10:23:19
